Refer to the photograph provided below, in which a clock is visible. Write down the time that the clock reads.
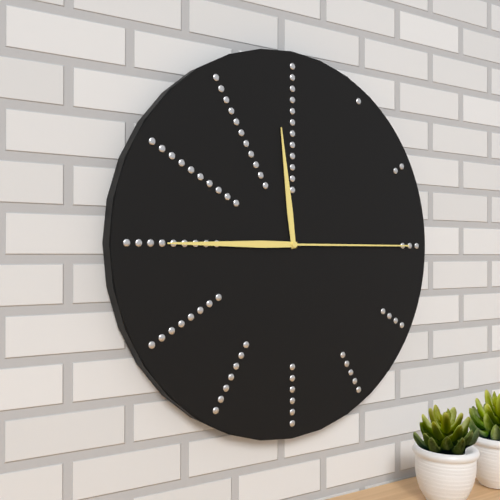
11:45:15
